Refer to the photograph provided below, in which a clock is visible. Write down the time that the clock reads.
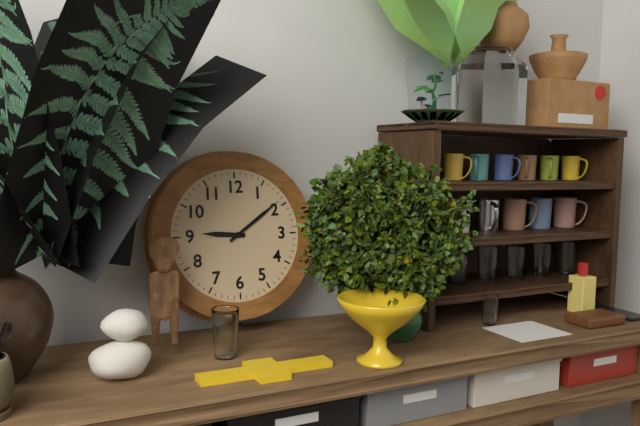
9:09
